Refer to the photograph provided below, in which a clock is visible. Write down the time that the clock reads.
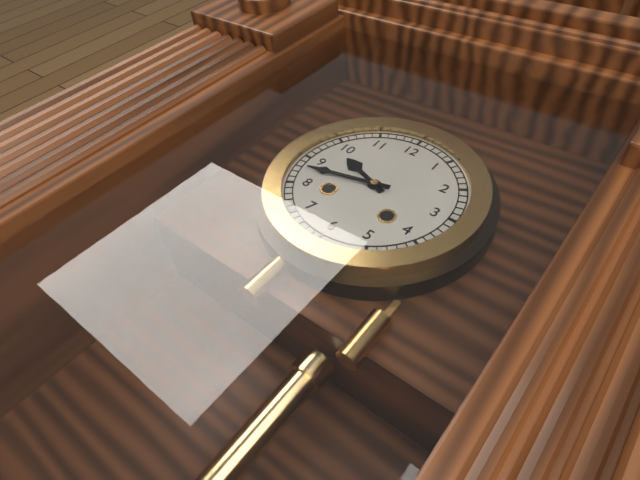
9:43
